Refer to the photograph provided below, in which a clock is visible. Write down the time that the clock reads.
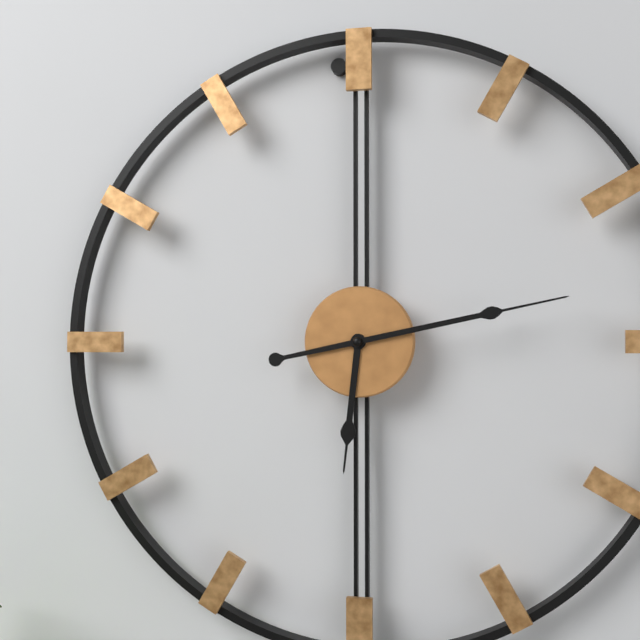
6:13
